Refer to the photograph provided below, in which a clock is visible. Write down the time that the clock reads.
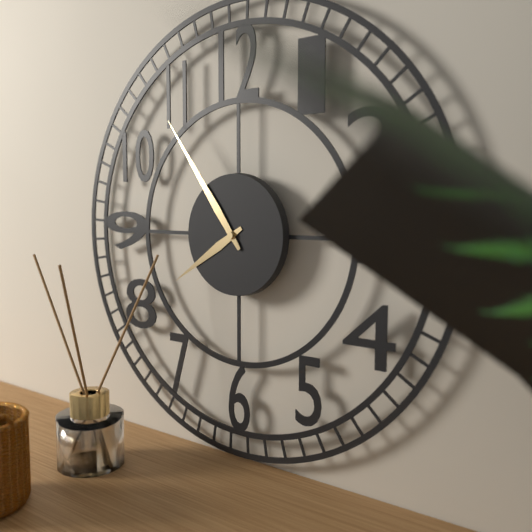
7:54
